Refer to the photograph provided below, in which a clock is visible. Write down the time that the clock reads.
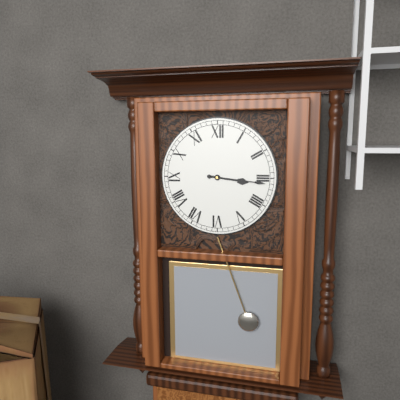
3:16
